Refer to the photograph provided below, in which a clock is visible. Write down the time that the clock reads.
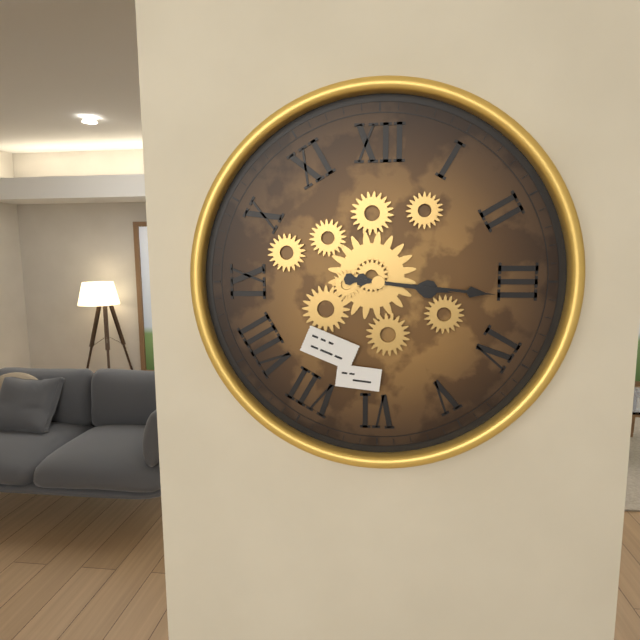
3:16
